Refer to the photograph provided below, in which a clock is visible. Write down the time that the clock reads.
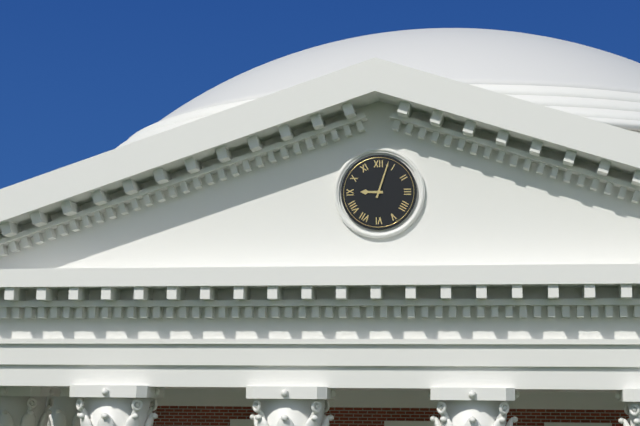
9:03
